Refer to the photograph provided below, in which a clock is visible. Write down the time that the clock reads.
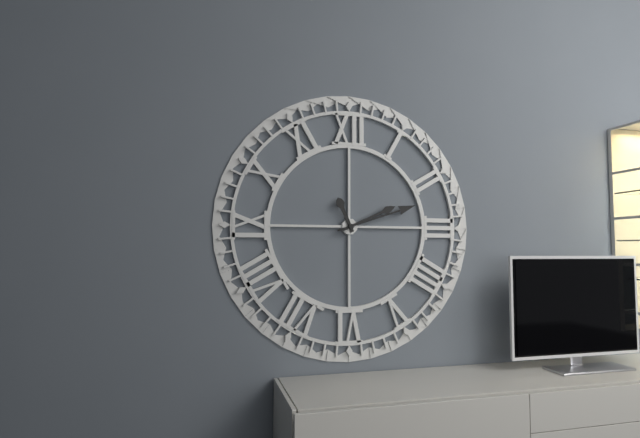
11:12:11
